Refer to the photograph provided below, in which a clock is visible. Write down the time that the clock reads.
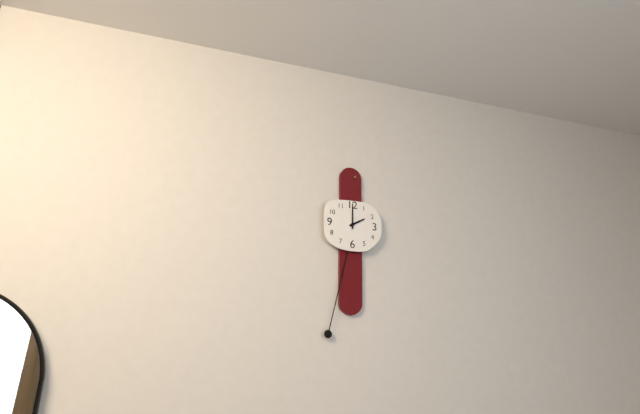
2:00
